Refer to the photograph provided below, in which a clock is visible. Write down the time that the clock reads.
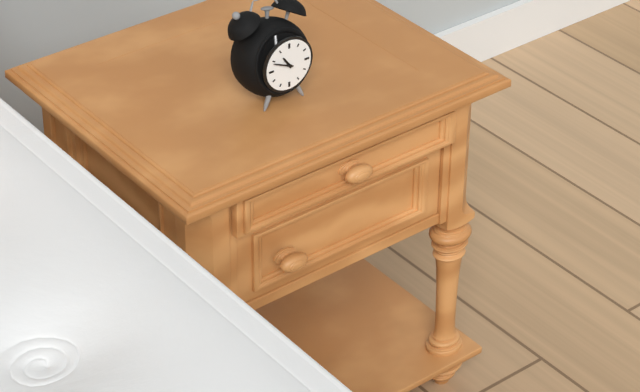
10:49
